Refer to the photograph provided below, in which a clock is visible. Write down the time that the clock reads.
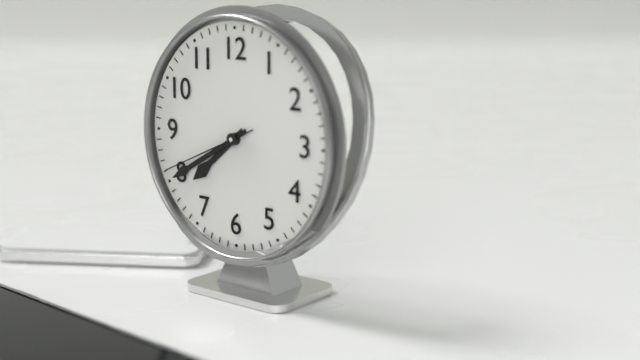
7:40:41
